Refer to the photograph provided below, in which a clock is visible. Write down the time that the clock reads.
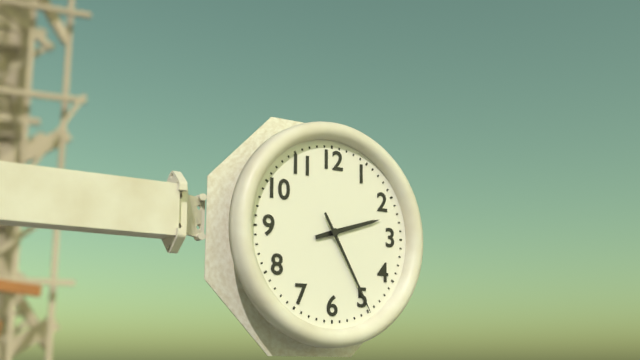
2:25
